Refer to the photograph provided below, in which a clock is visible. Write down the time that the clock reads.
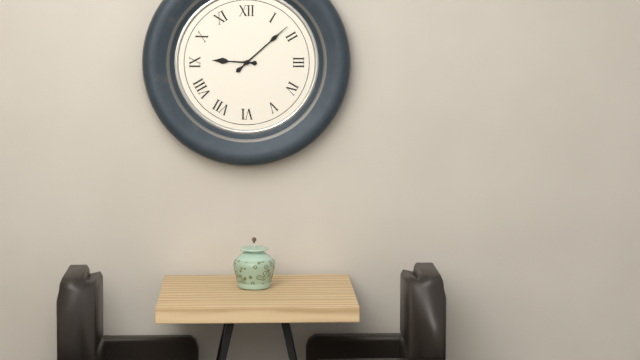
9:08
